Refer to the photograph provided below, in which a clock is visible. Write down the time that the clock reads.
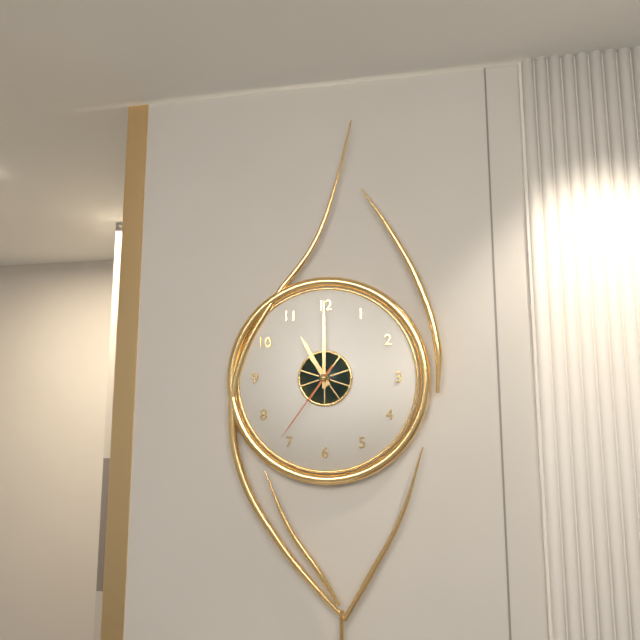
11:00:36
